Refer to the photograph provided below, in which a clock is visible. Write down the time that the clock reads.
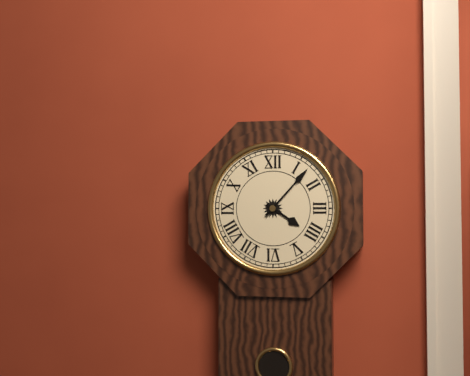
4:07
